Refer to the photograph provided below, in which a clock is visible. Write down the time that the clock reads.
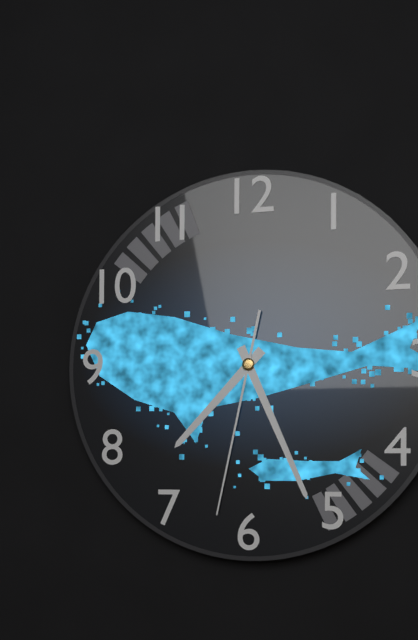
7:26:32
